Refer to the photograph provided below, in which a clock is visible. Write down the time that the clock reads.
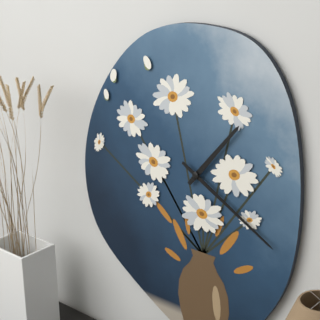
1:20
